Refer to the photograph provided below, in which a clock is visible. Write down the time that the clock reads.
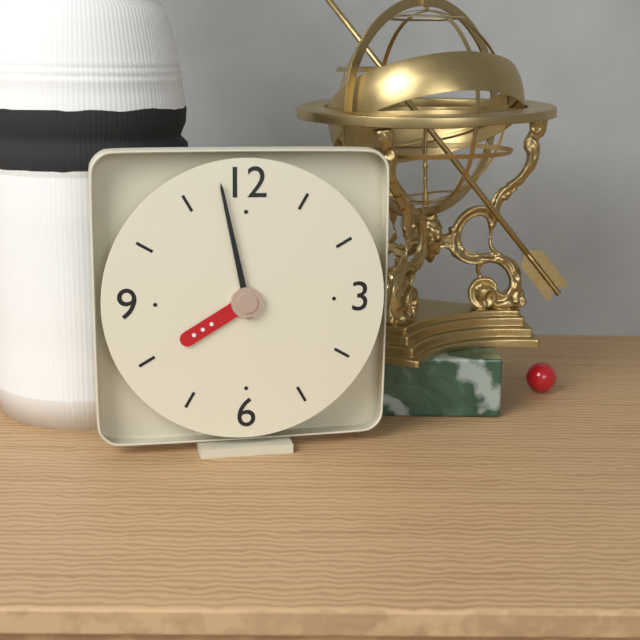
7:58
